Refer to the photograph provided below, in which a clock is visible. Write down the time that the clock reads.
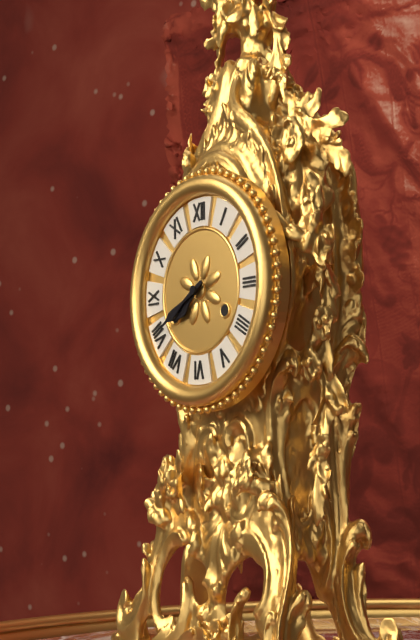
7:40
